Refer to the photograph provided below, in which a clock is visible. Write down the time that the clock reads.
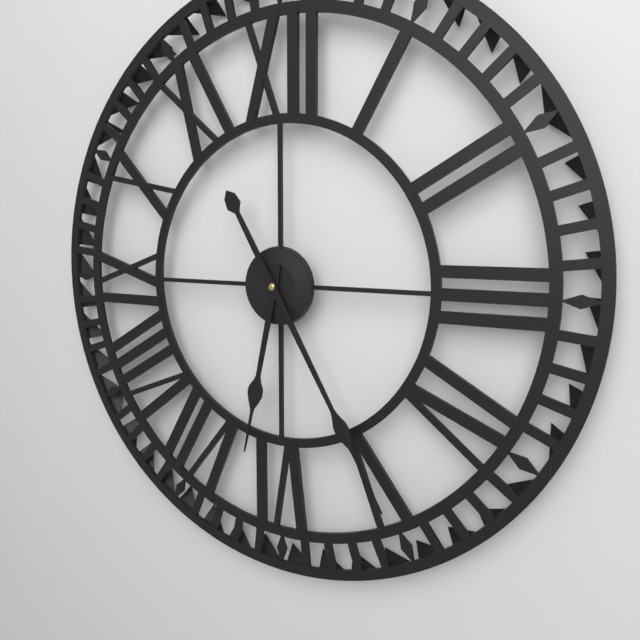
6:25
